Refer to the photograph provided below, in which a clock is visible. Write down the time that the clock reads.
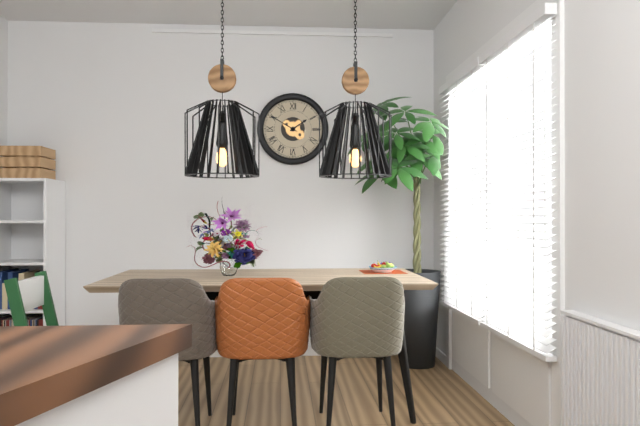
1:50
